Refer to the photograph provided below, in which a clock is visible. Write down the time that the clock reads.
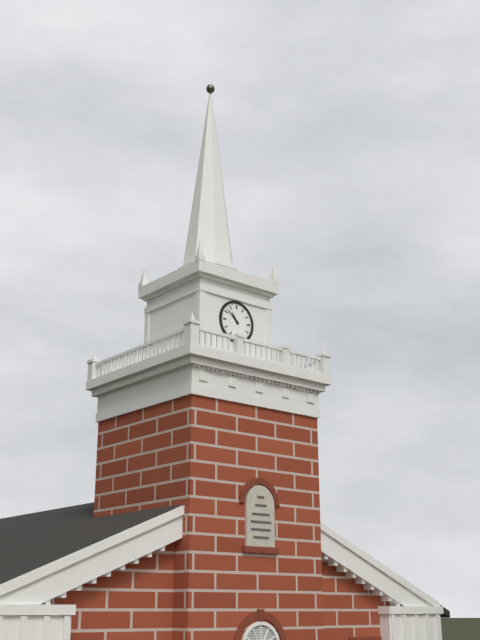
10:52
